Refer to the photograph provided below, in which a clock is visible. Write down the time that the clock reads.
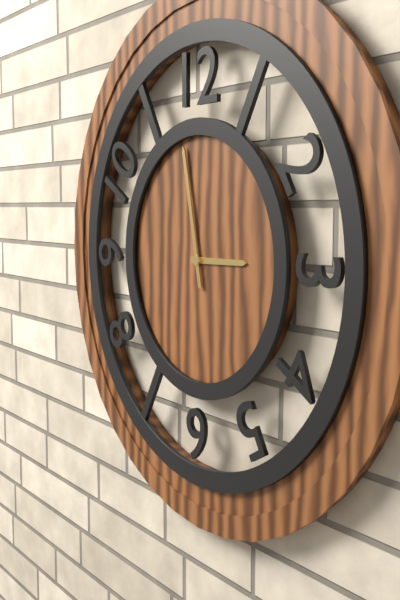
2:58
